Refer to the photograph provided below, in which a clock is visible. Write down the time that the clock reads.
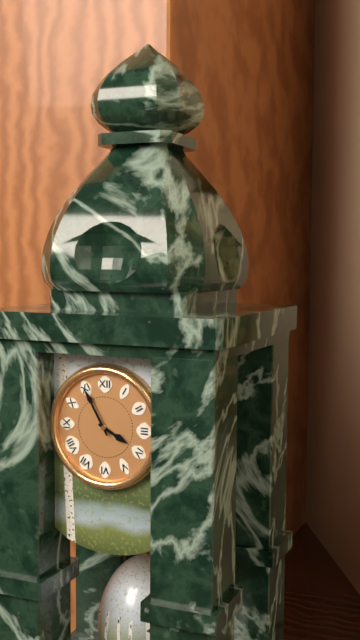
3:55
